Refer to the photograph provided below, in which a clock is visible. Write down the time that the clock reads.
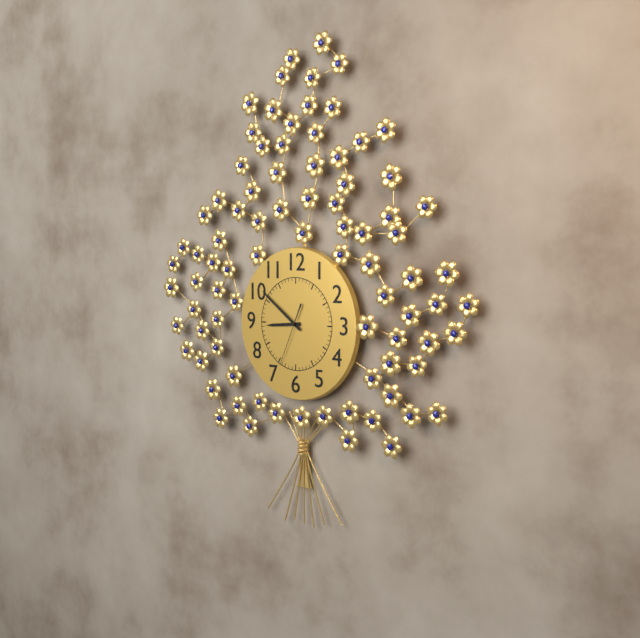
8:51:34
